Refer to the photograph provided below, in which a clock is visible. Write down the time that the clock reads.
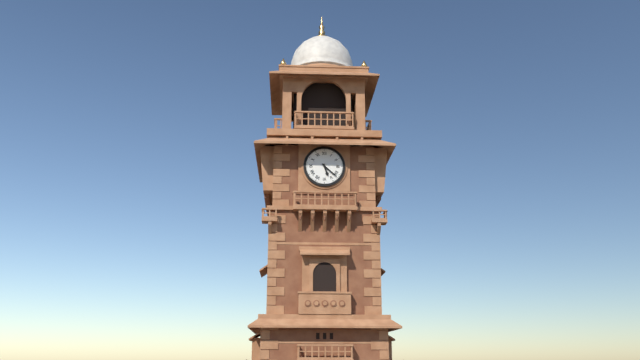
5:22
